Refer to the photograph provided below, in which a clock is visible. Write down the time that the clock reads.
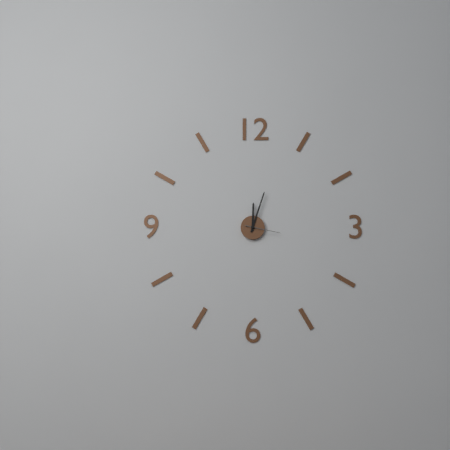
12:03
